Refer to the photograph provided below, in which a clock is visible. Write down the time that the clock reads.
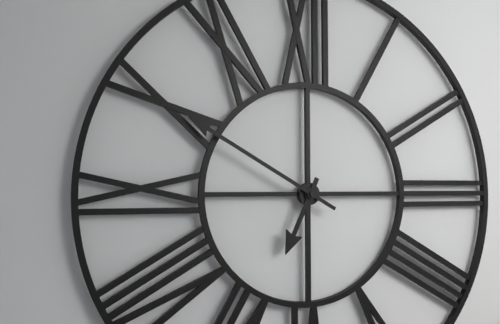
6:50
